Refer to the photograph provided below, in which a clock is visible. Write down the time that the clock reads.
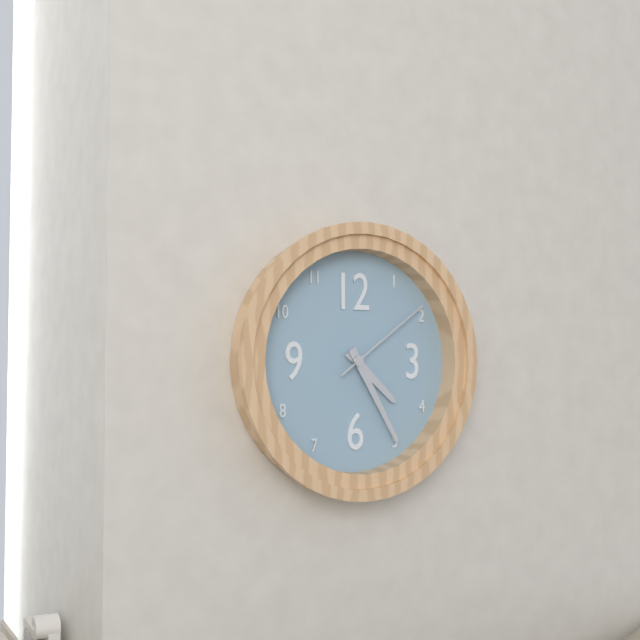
4:25:09
